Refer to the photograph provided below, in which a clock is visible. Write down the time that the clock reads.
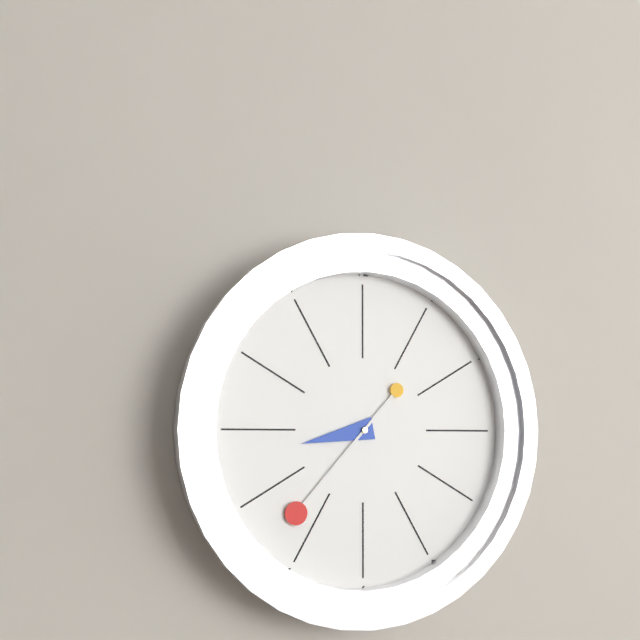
8:37
